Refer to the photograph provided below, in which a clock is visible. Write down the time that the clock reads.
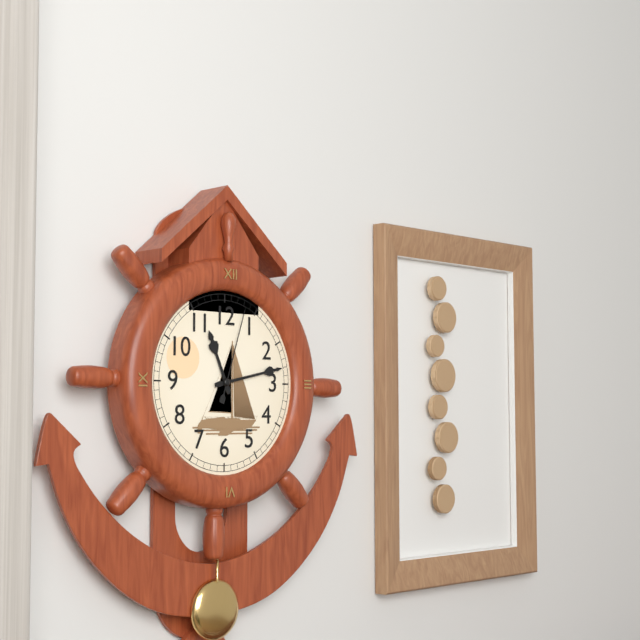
11:13:03
